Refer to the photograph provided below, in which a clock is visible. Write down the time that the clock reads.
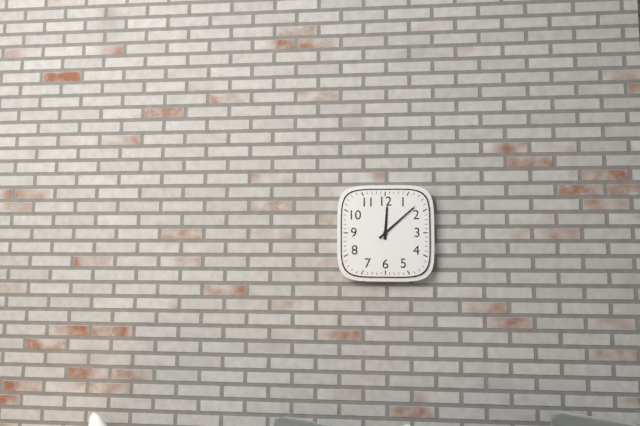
12:08
